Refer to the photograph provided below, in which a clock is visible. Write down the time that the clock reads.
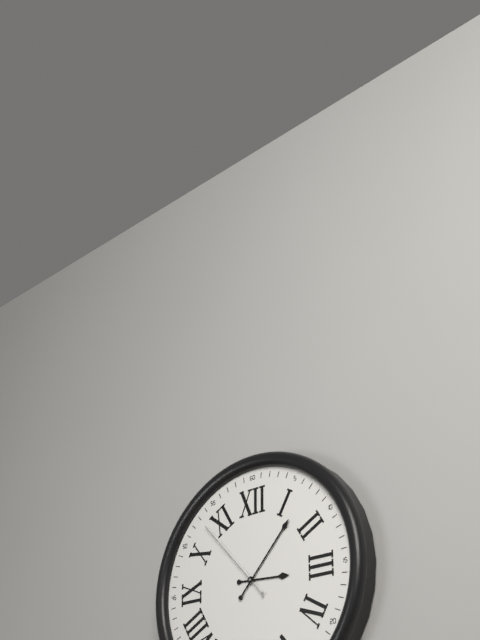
3:07:53
